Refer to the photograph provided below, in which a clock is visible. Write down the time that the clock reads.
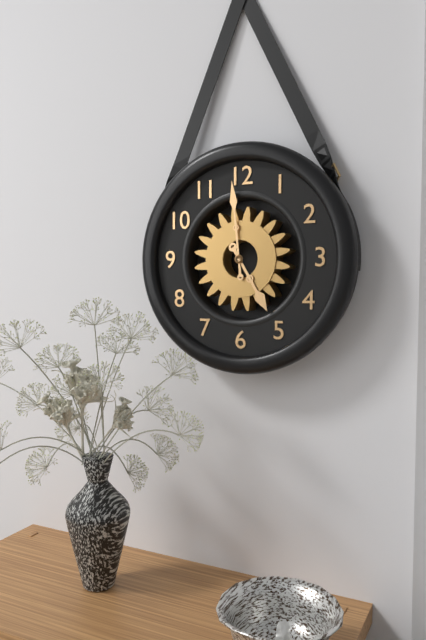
4:59
